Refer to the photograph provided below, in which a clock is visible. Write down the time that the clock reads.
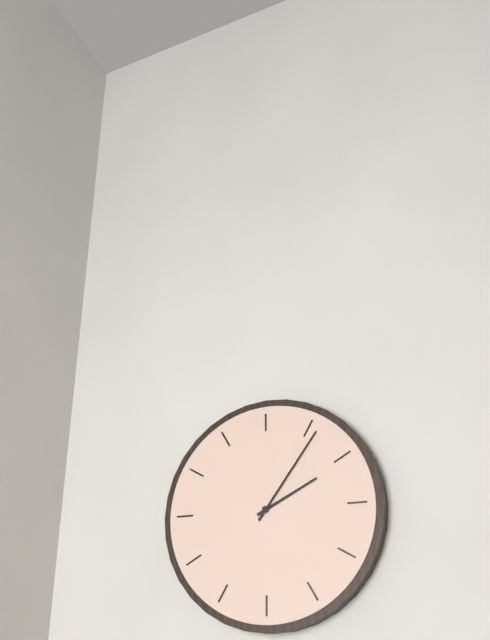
2:06
